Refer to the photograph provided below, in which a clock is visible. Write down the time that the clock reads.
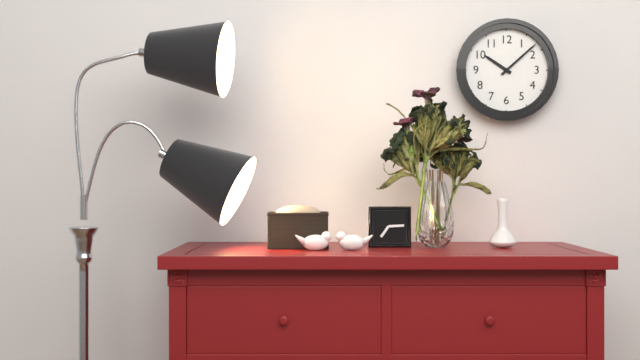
10:08
